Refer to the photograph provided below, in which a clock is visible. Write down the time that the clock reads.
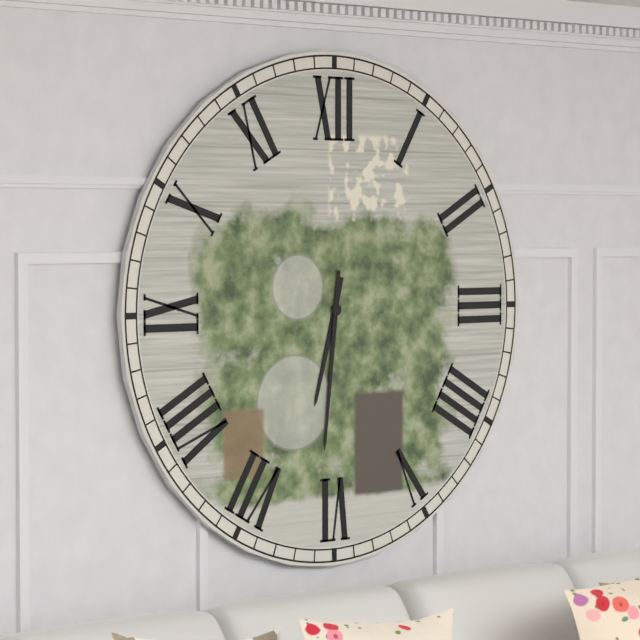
6:31
